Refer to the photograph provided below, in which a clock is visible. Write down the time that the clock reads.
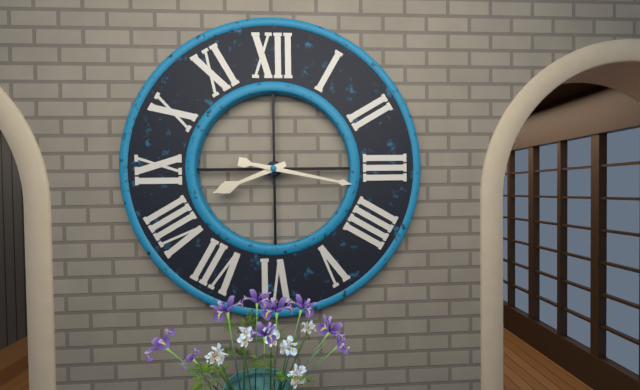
8:17
